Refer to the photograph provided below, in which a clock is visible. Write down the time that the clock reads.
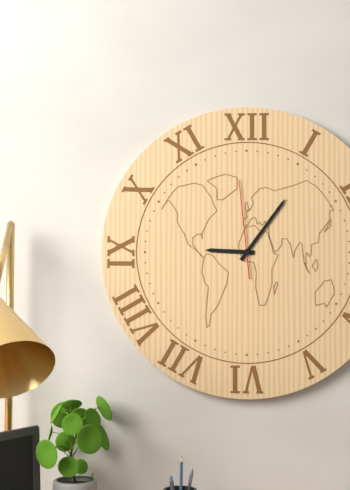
9:06:59
